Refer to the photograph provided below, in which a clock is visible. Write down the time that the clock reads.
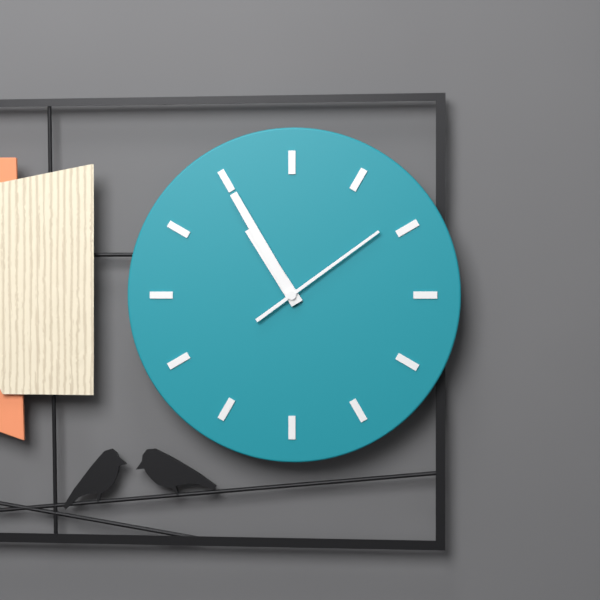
10:55:09
